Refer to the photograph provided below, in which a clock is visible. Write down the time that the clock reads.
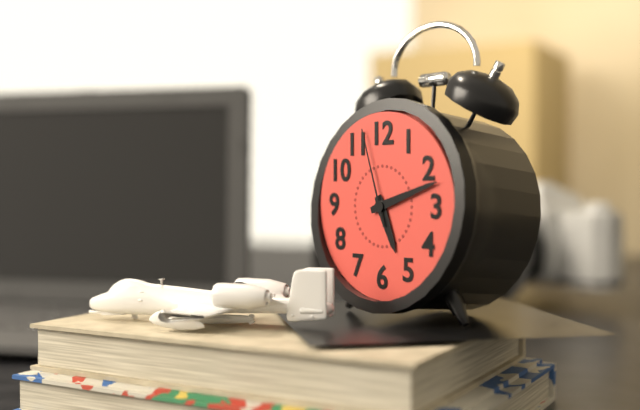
5:12:57
